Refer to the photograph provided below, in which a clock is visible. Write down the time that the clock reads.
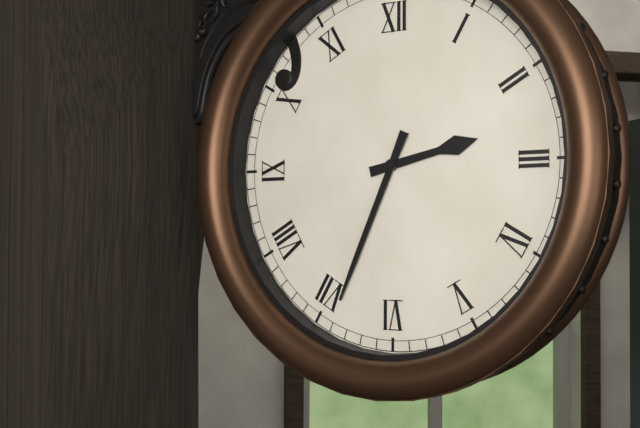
2:34
